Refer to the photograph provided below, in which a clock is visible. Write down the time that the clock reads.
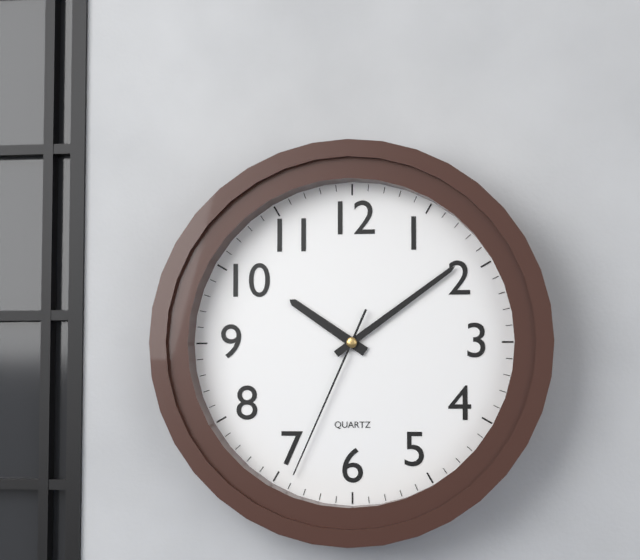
10:09:34
